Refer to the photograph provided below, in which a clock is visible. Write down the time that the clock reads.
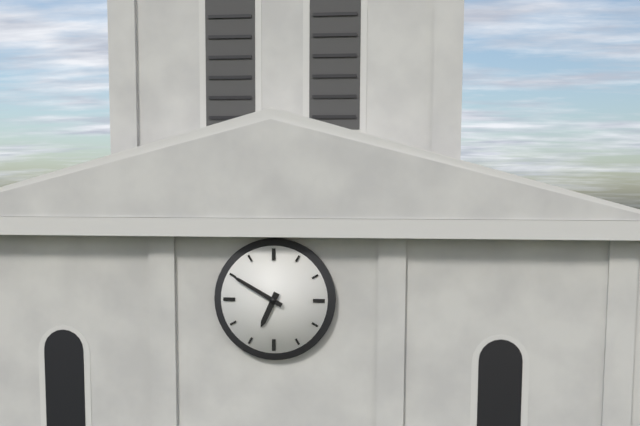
6:50
